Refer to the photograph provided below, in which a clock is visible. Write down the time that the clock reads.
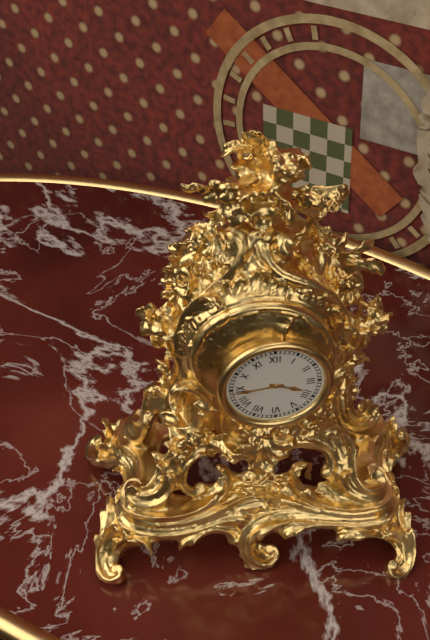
3:44
